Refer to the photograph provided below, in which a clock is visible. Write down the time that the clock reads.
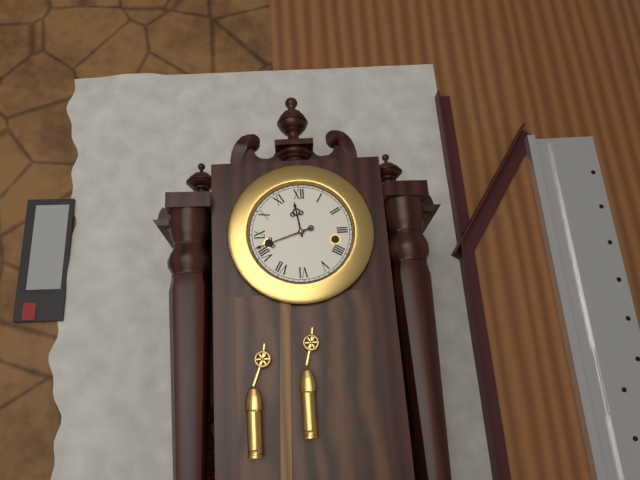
11:42
